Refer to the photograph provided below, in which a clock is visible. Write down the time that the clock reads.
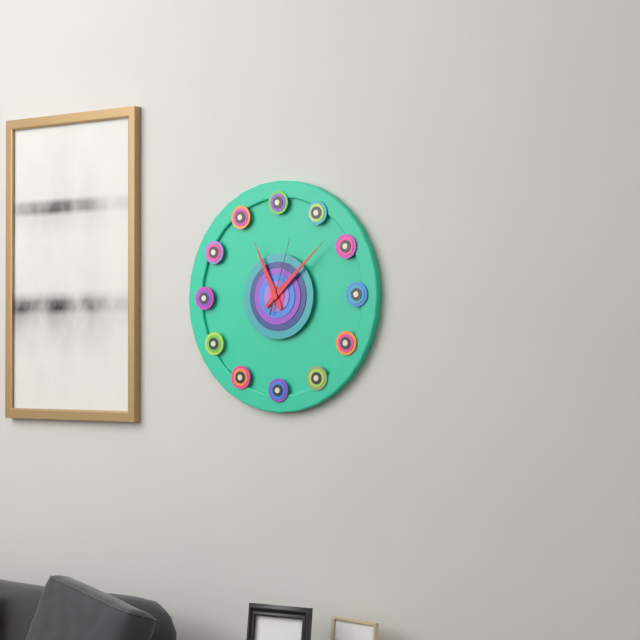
11:08:03
